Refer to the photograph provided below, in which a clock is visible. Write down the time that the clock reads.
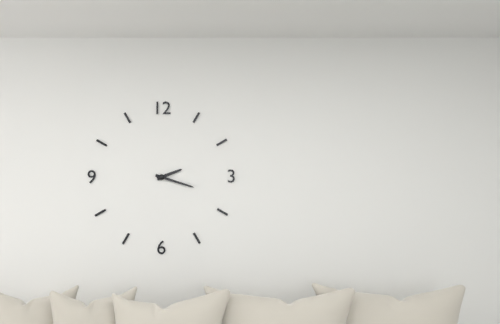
2:18
